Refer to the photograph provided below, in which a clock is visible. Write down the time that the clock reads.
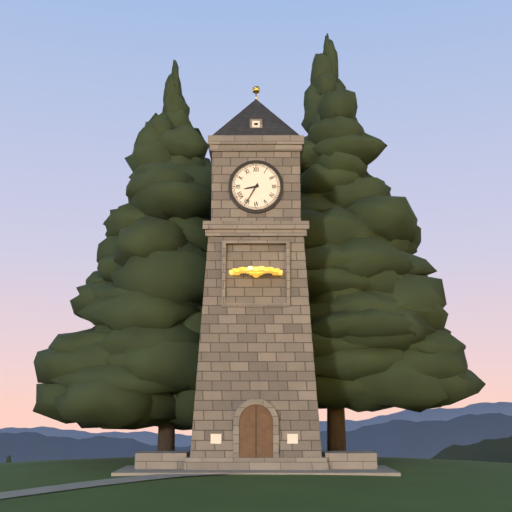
8:35
